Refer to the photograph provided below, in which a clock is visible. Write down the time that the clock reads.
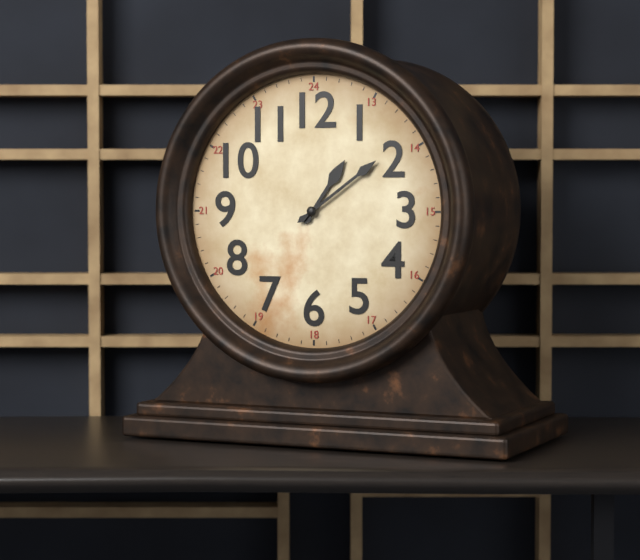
1:09
